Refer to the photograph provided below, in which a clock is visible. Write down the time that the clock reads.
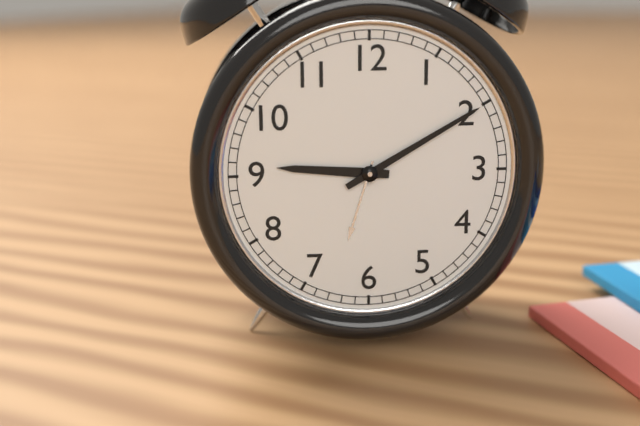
9:10
